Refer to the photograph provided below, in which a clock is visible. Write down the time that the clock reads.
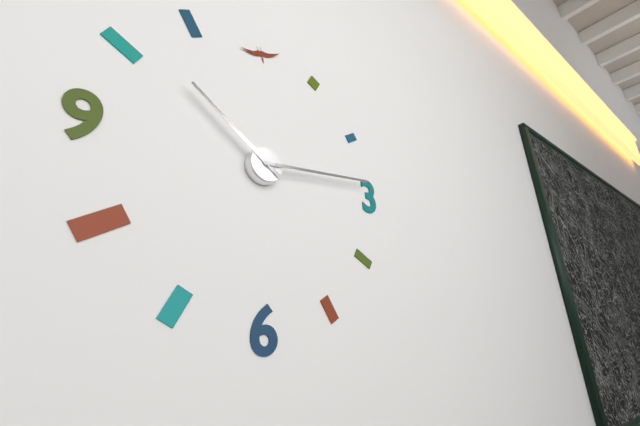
10:14
